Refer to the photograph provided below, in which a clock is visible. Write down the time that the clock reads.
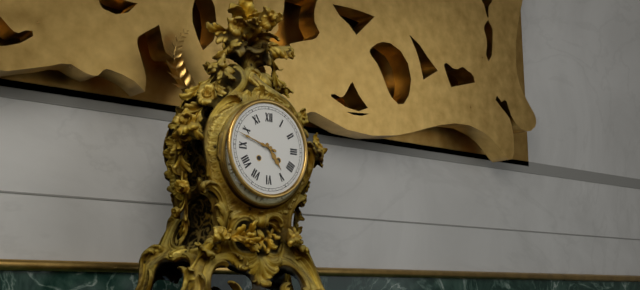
4:48
